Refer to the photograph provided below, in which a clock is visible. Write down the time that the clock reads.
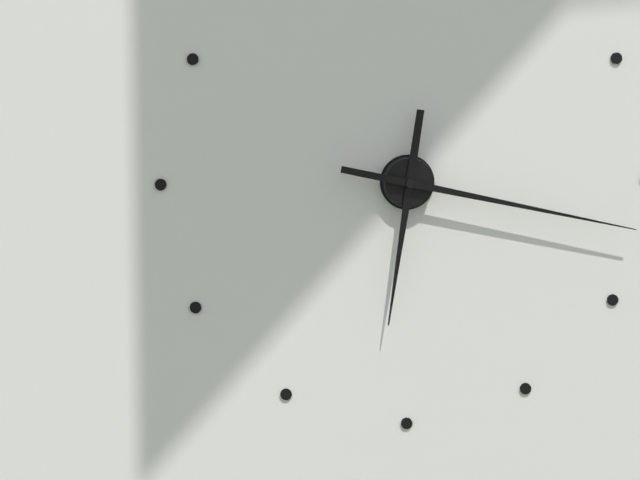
6:17
